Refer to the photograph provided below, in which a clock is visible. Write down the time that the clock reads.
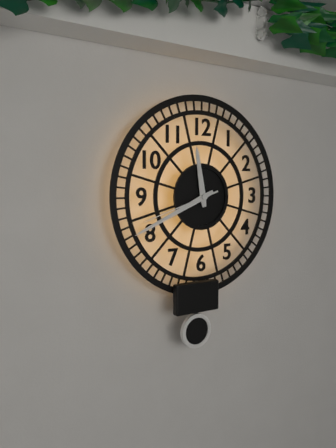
11:41:42
